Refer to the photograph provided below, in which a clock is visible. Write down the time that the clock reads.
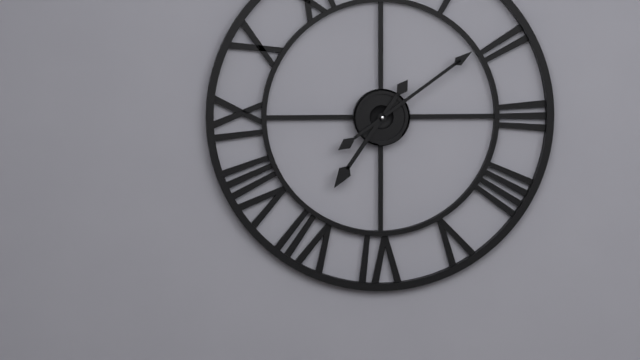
7:09
